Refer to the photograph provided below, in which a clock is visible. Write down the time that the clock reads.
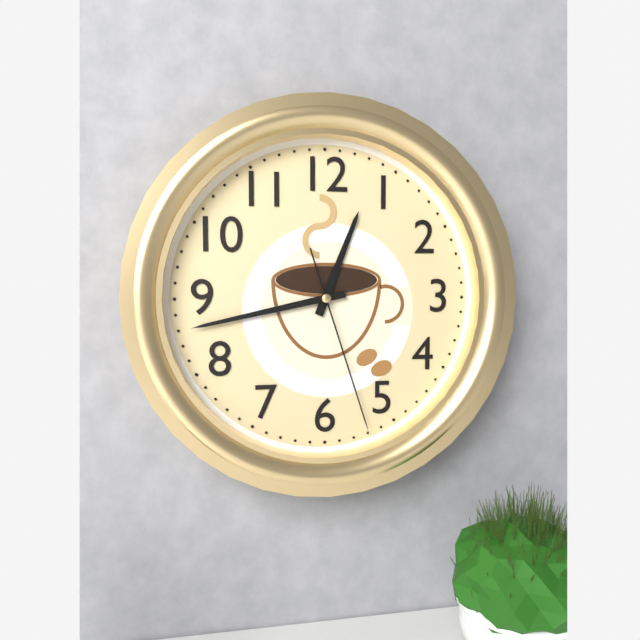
12:43:27
